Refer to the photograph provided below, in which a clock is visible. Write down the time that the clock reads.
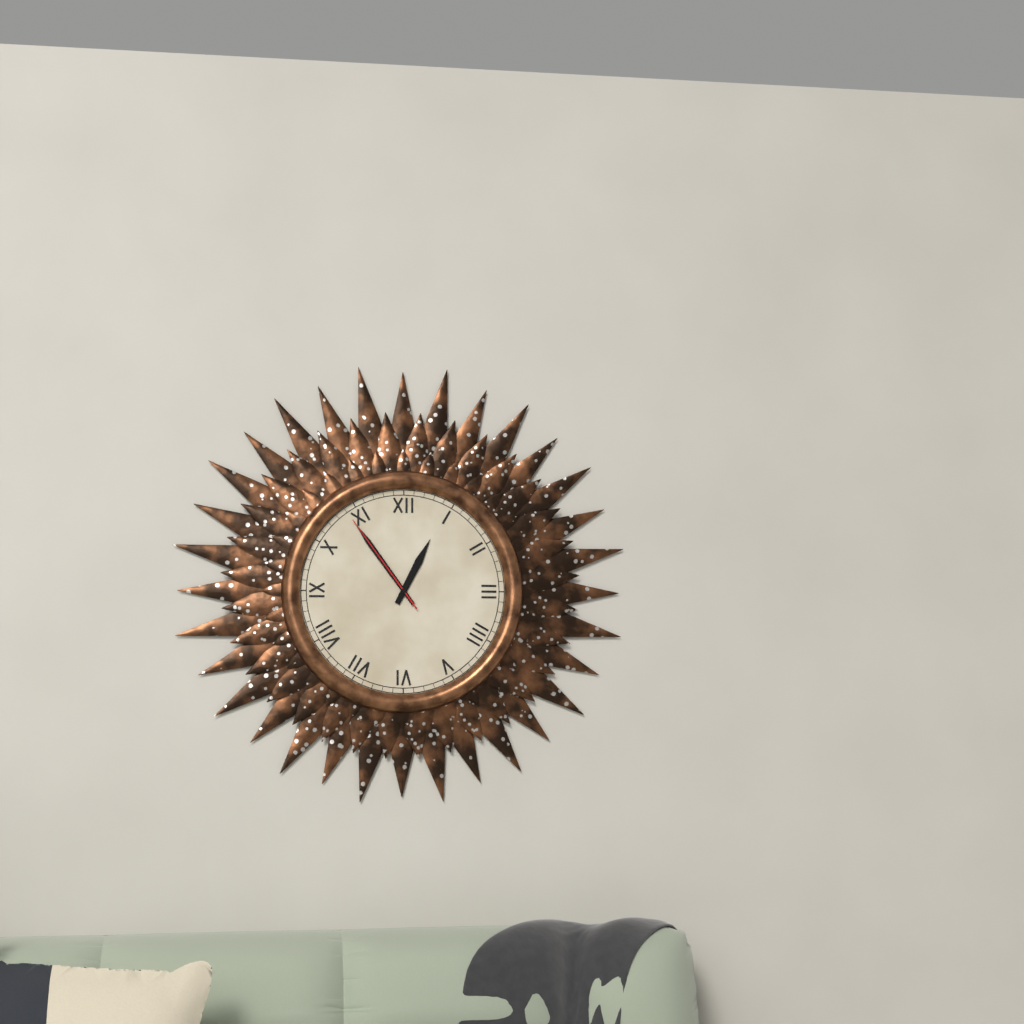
12:54:54
